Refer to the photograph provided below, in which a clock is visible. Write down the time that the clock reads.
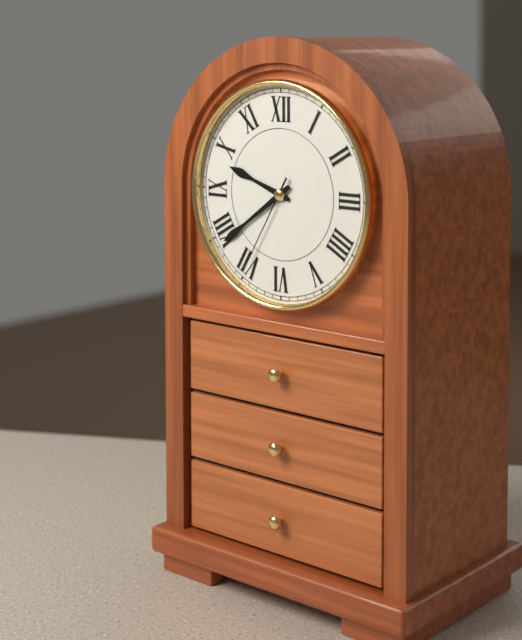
9:39:35
